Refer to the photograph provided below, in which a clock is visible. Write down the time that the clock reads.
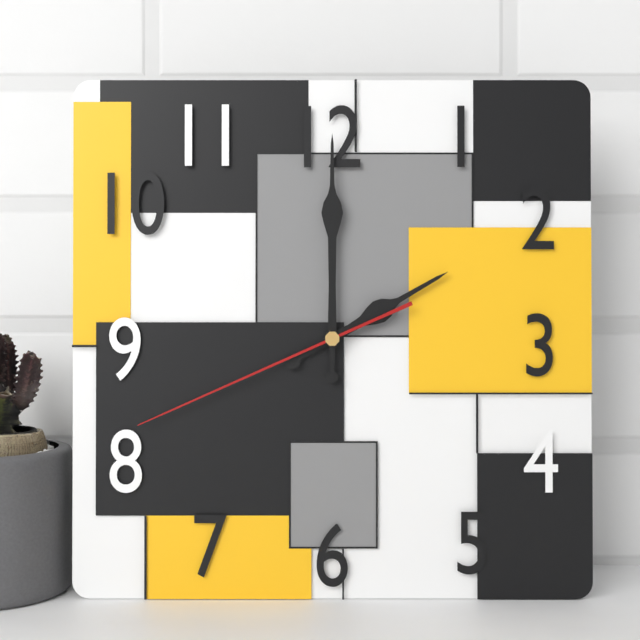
2:00:41
